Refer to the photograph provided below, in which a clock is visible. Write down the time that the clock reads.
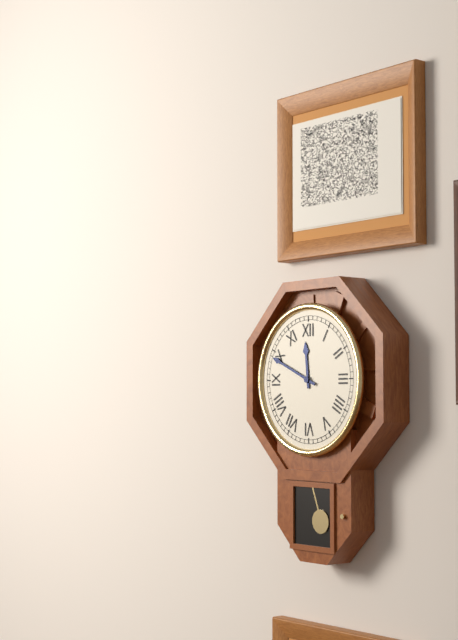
11:49
